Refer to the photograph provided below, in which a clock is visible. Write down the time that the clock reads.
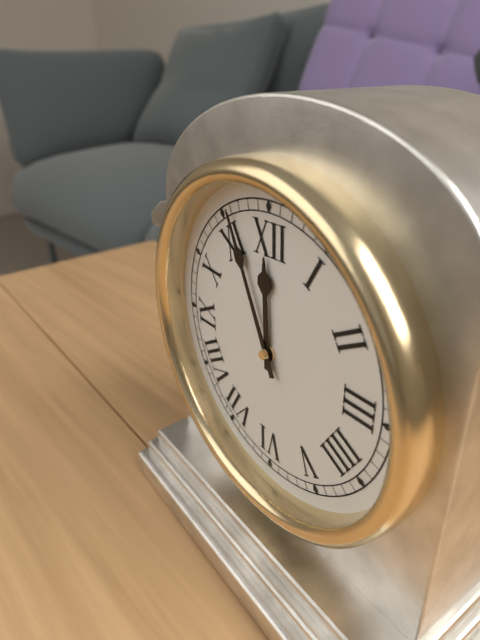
11:56
